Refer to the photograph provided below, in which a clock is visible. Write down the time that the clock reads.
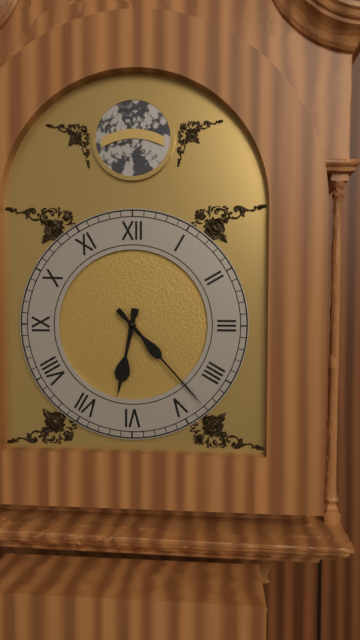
6:23
